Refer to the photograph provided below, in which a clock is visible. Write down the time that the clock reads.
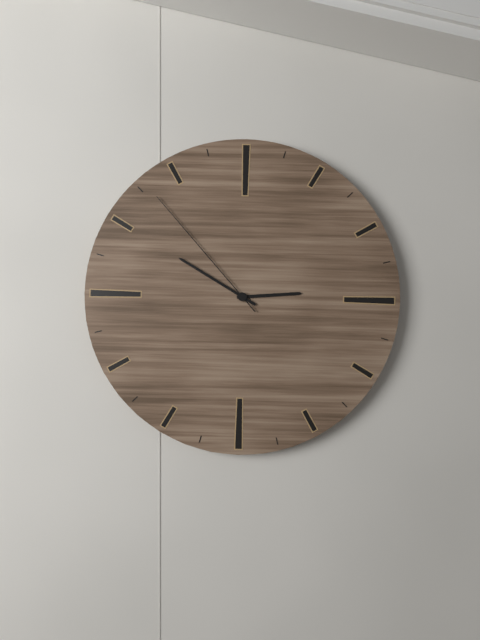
2:50:53
